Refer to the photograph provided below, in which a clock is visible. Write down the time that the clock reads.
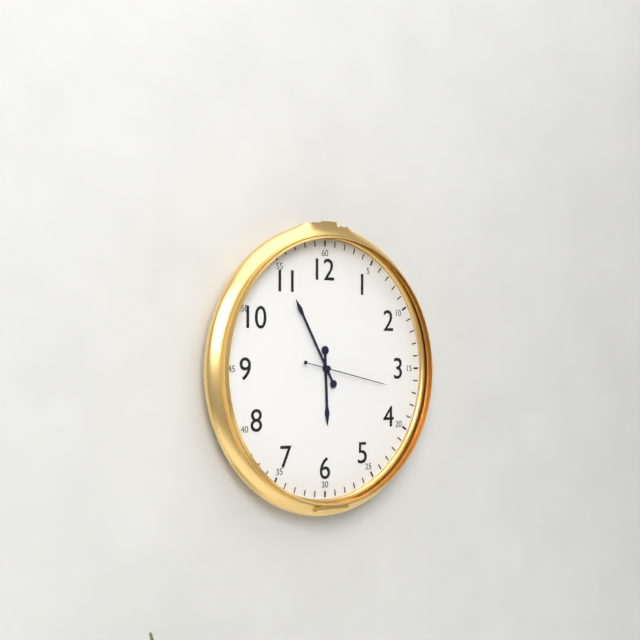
5:55:17
